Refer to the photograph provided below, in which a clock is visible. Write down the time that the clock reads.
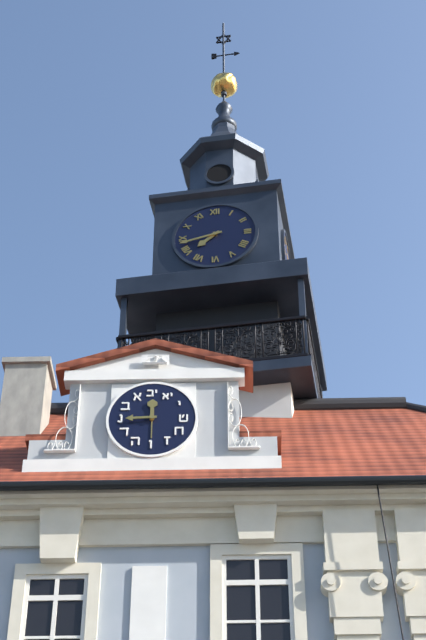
7:43
